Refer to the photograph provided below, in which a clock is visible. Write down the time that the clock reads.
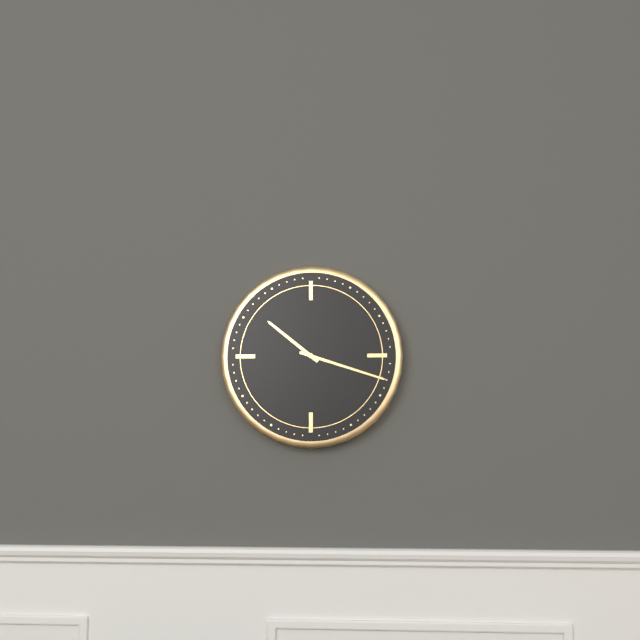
10:18
